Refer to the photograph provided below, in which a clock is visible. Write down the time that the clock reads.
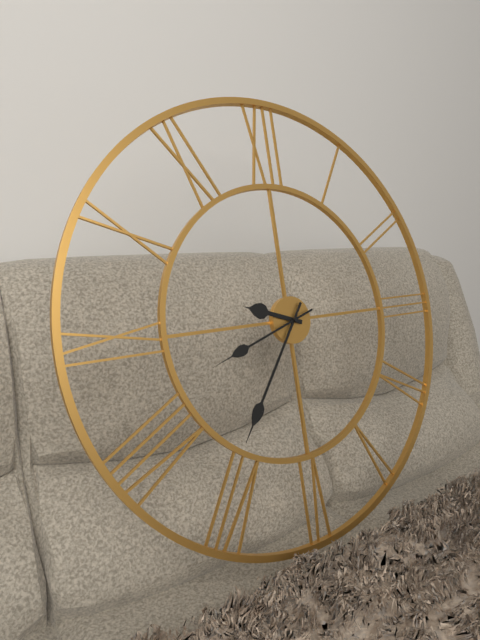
9:36:42
